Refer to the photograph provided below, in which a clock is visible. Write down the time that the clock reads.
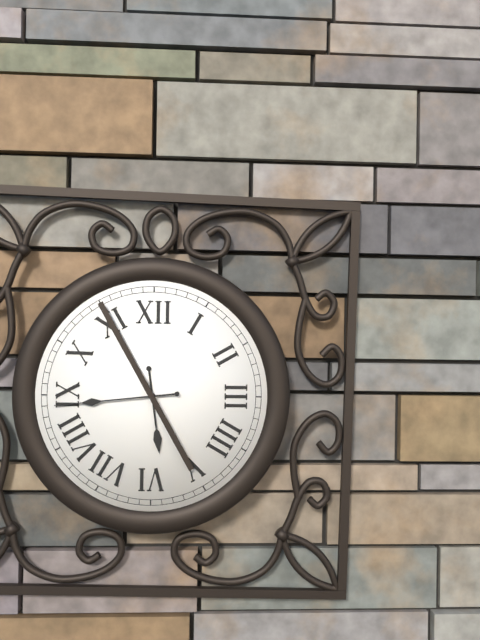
5:44
